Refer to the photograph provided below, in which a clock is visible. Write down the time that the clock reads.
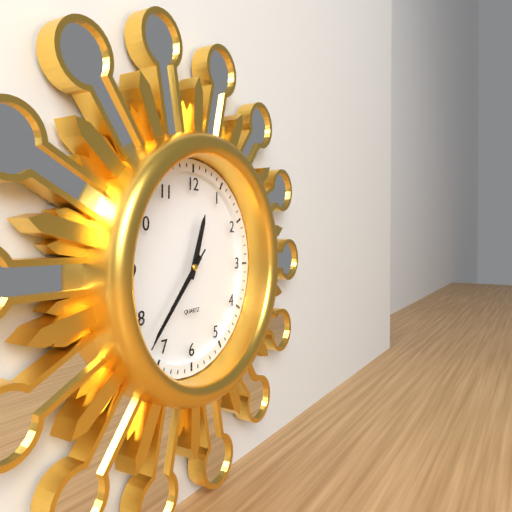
12:37:37
